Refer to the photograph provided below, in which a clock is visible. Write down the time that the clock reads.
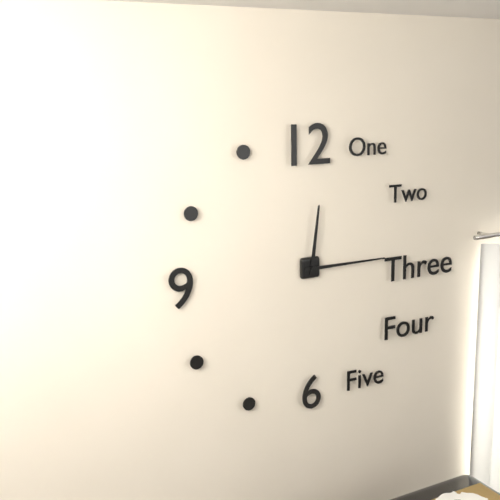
12:15
